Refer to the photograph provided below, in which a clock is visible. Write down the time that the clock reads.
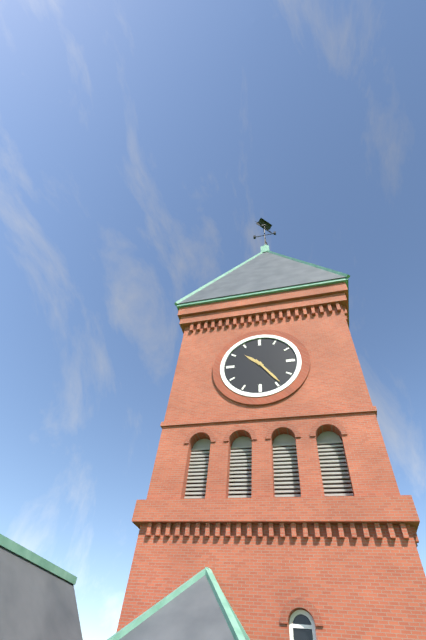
10:24
